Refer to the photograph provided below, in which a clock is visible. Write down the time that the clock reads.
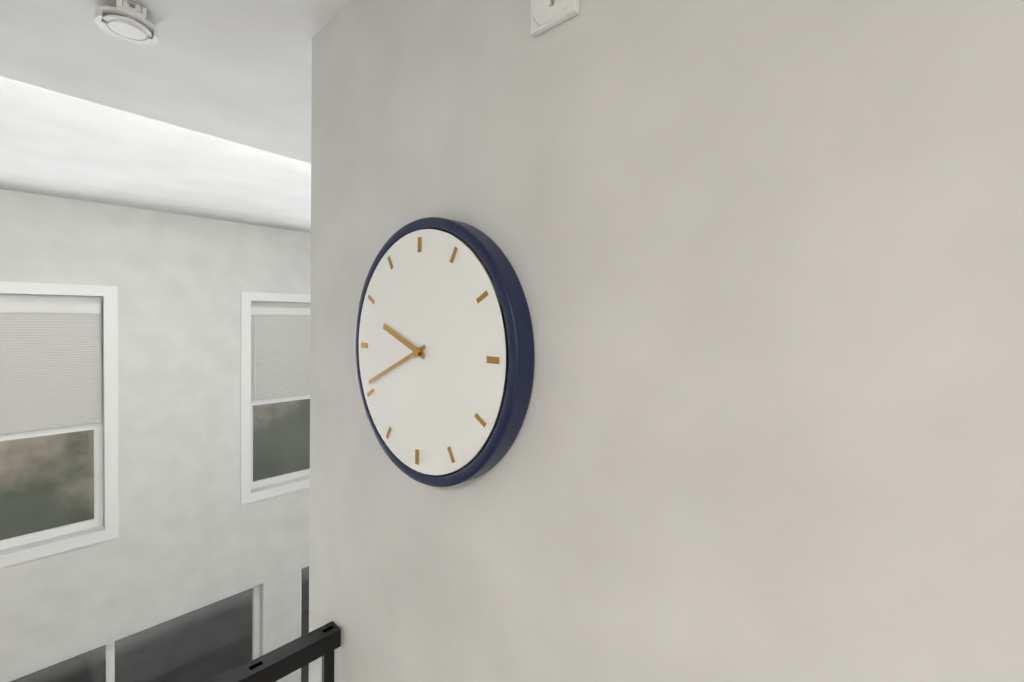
9:41
